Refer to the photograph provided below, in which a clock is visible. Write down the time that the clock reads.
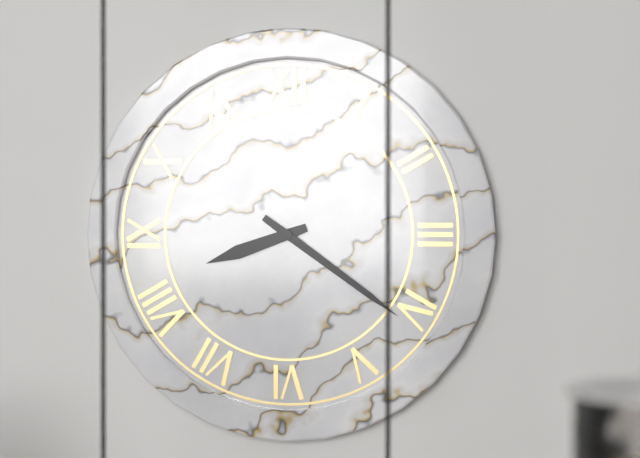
8:21
